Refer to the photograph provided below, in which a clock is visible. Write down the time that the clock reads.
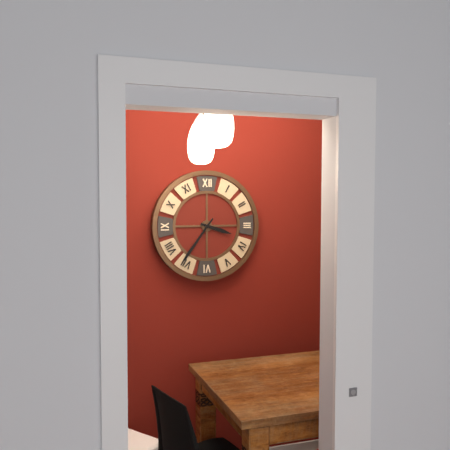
3:36
